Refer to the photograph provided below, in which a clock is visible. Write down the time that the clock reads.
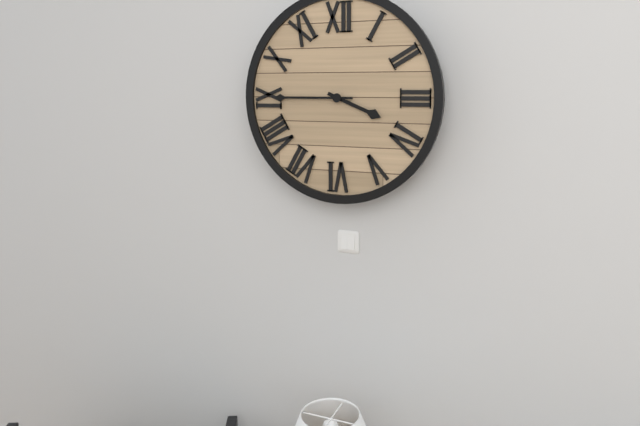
3:45
